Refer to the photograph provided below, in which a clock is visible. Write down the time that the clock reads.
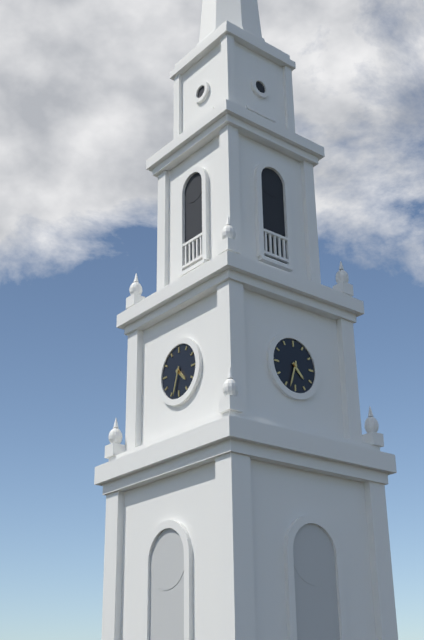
4:33
